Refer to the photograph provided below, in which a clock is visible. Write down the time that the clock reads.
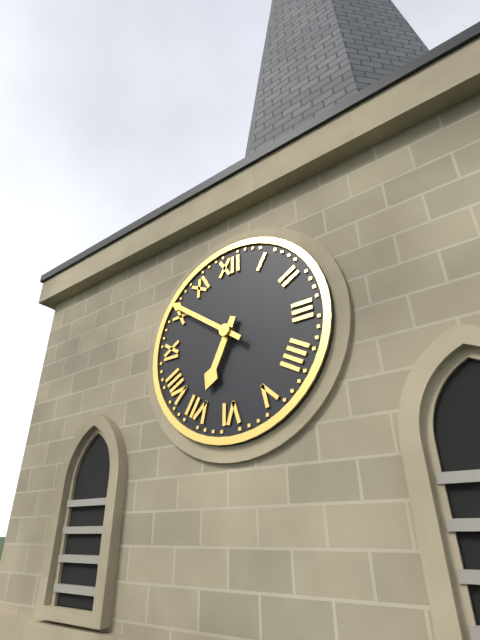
6:51
